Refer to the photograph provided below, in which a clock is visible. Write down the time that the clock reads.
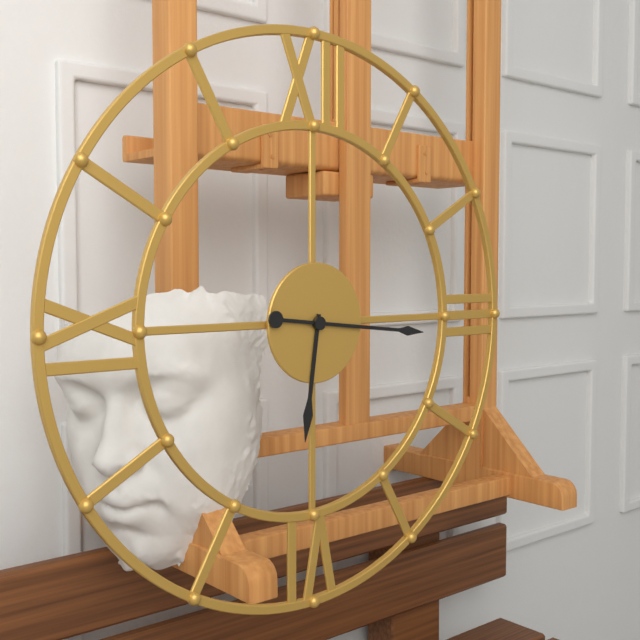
6:16
